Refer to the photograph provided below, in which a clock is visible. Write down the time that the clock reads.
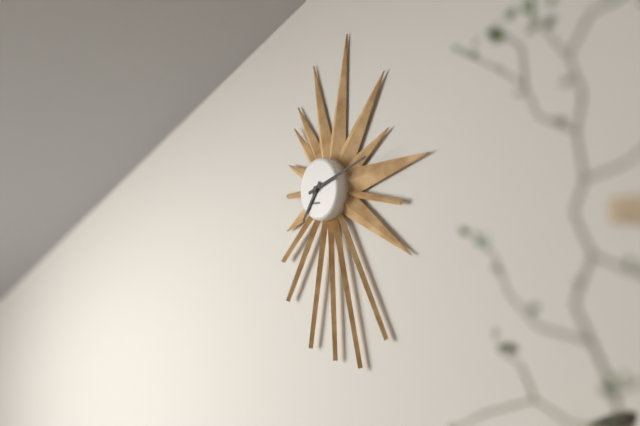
7:12
